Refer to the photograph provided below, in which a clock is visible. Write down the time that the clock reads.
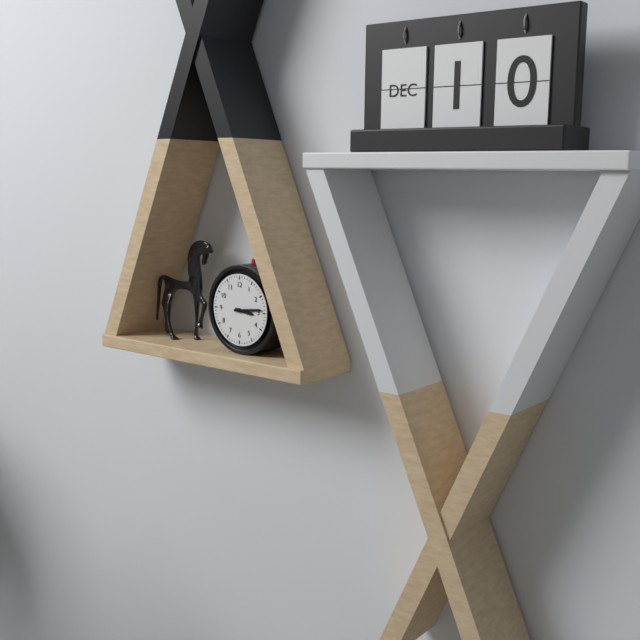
3:14
